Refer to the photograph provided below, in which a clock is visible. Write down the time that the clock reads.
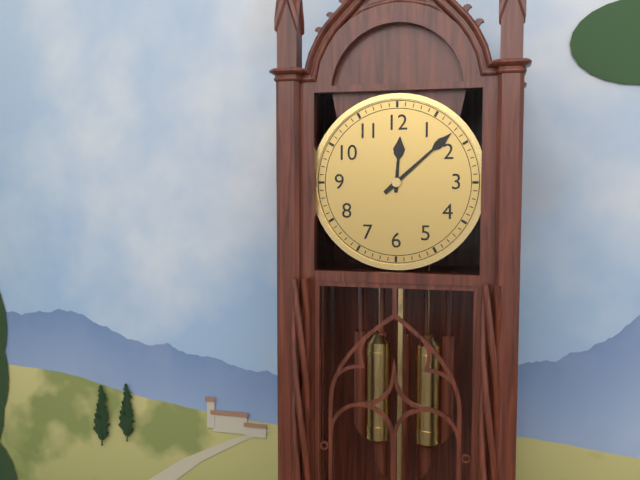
12:08
